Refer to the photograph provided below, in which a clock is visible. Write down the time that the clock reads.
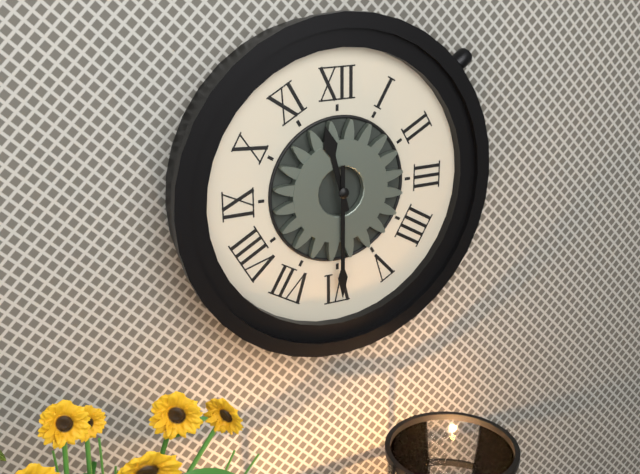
11:30
